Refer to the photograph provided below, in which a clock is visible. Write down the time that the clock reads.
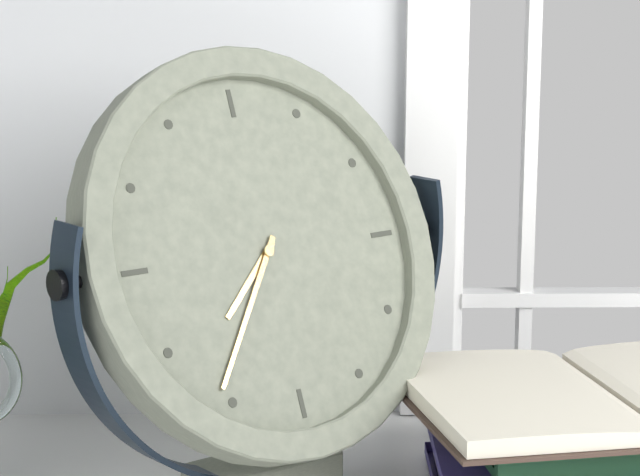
7:36
